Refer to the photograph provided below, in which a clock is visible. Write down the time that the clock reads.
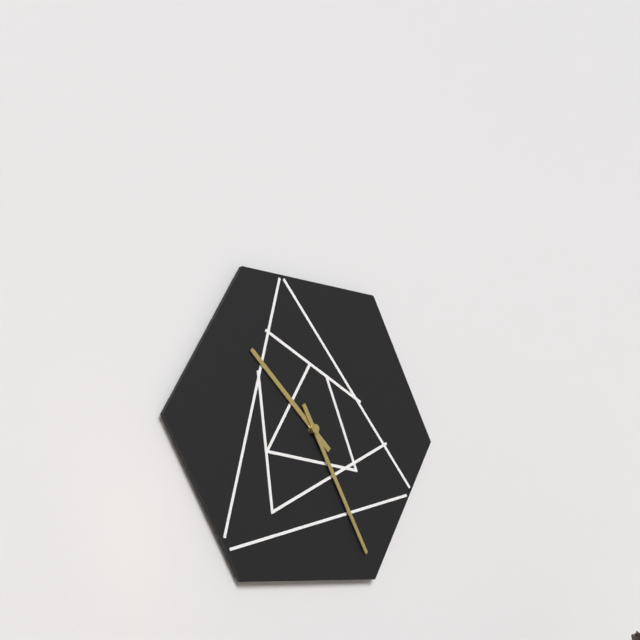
10:25
